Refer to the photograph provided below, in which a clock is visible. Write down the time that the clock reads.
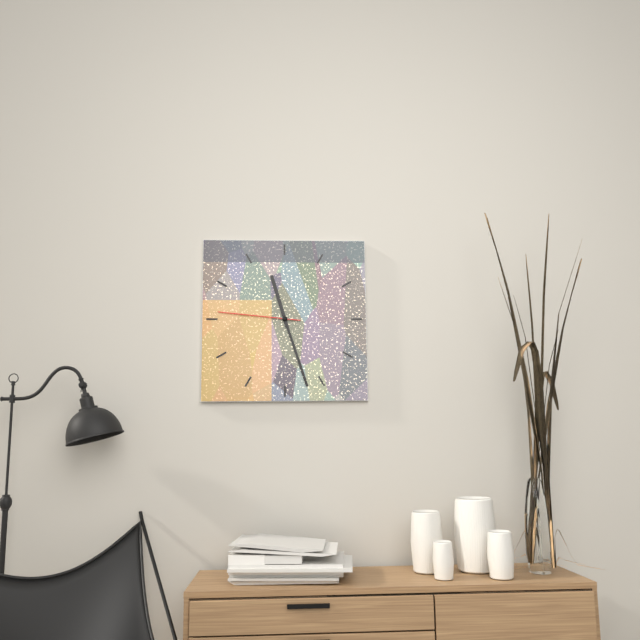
11:27:46
